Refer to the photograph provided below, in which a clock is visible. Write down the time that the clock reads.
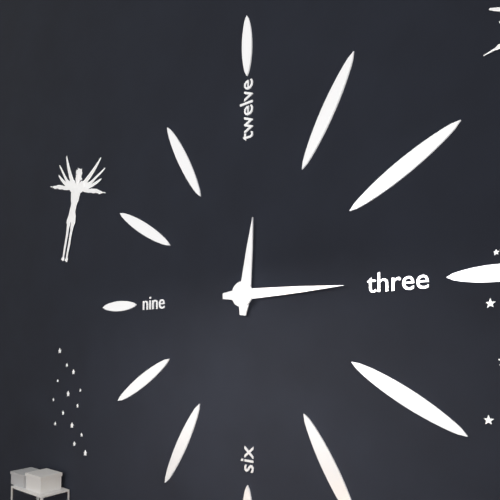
12:15
